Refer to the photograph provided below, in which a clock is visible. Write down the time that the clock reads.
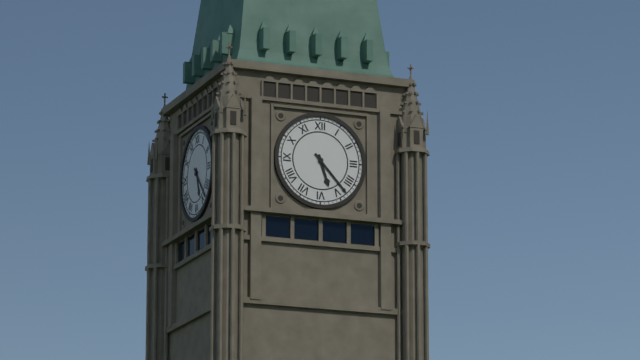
5:23
